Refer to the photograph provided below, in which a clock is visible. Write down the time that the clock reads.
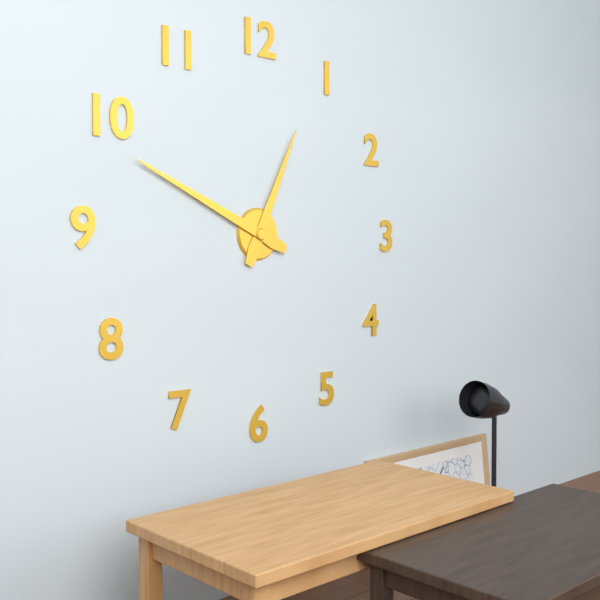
12:49
